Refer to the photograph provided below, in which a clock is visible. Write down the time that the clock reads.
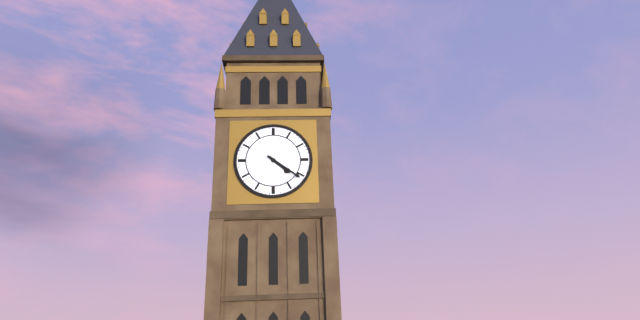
4:21
